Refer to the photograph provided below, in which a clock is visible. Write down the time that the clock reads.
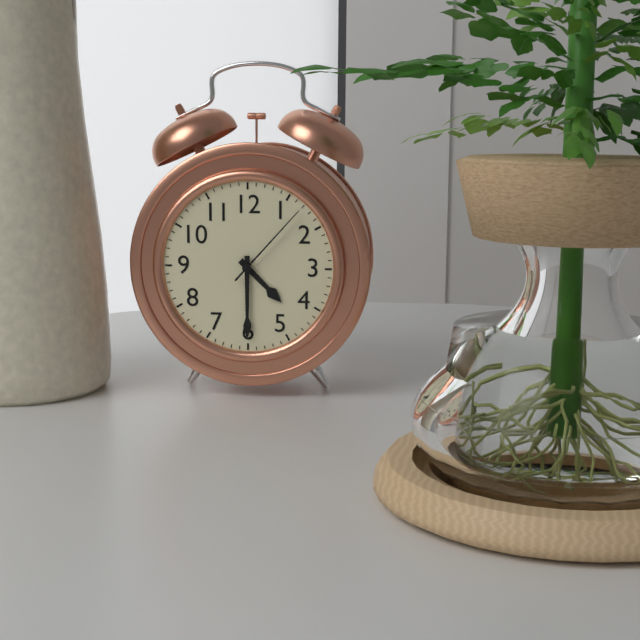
4:30:07
